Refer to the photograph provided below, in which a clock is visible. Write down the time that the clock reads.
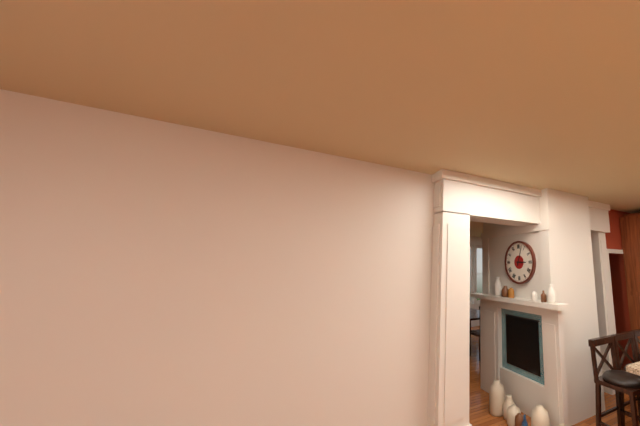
3:03
